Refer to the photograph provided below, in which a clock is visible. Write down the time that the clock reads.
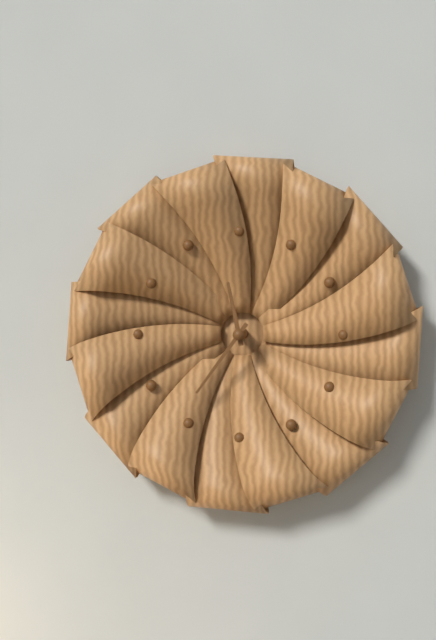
11:36
